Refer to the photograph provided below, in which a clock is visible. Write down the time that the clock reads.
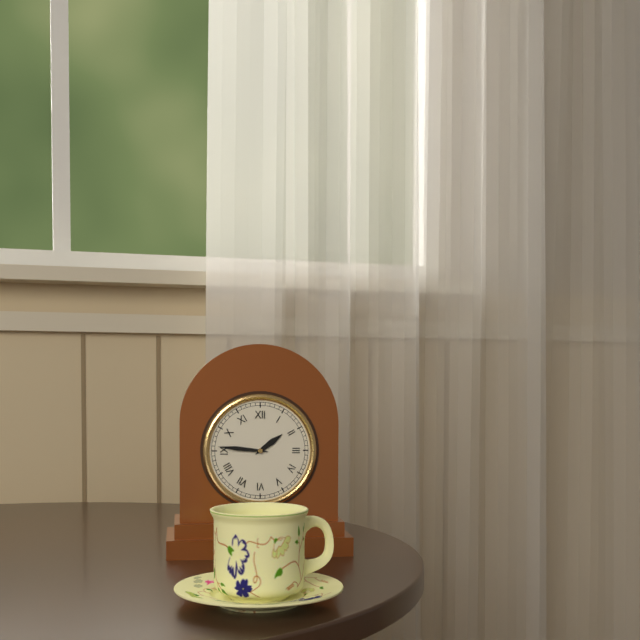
1:46
